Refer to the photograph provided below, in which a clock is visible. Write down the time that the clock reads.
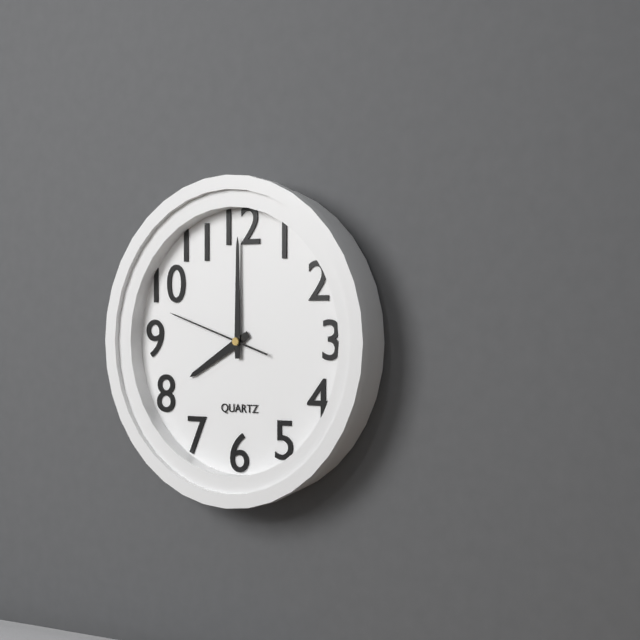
8:00:48
